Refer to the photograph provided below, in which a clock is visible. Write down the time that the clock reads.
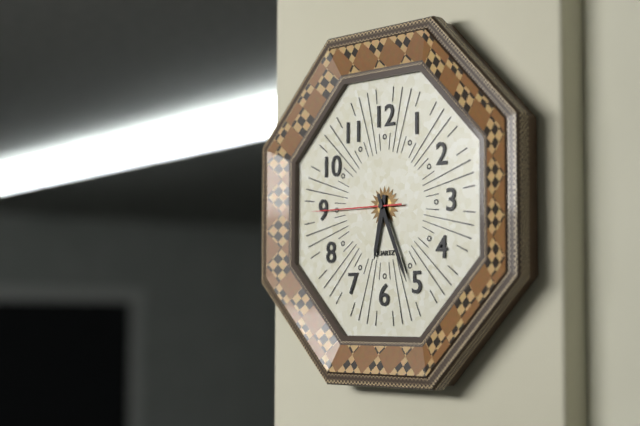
6:26:45
